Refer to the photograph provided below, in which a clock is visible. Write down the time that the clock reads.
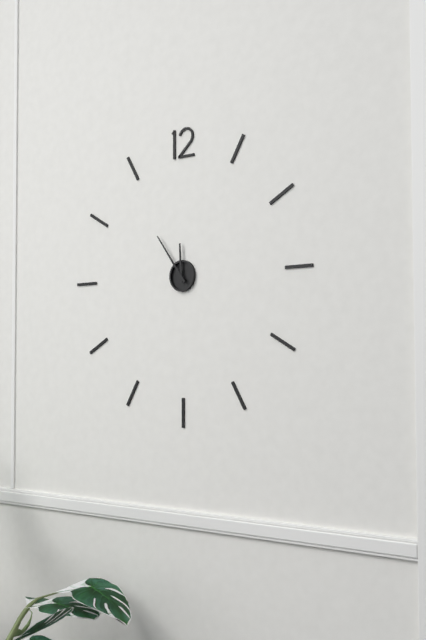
11:54
